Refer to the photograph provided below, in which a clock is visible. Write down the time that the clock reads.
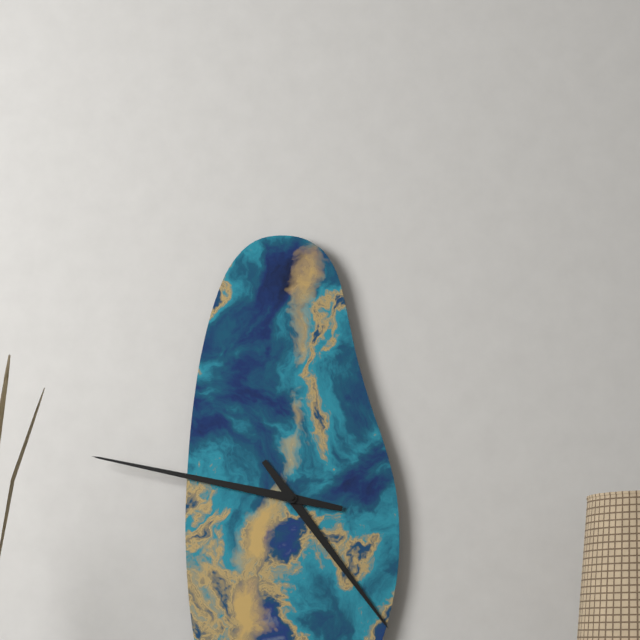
4:47
